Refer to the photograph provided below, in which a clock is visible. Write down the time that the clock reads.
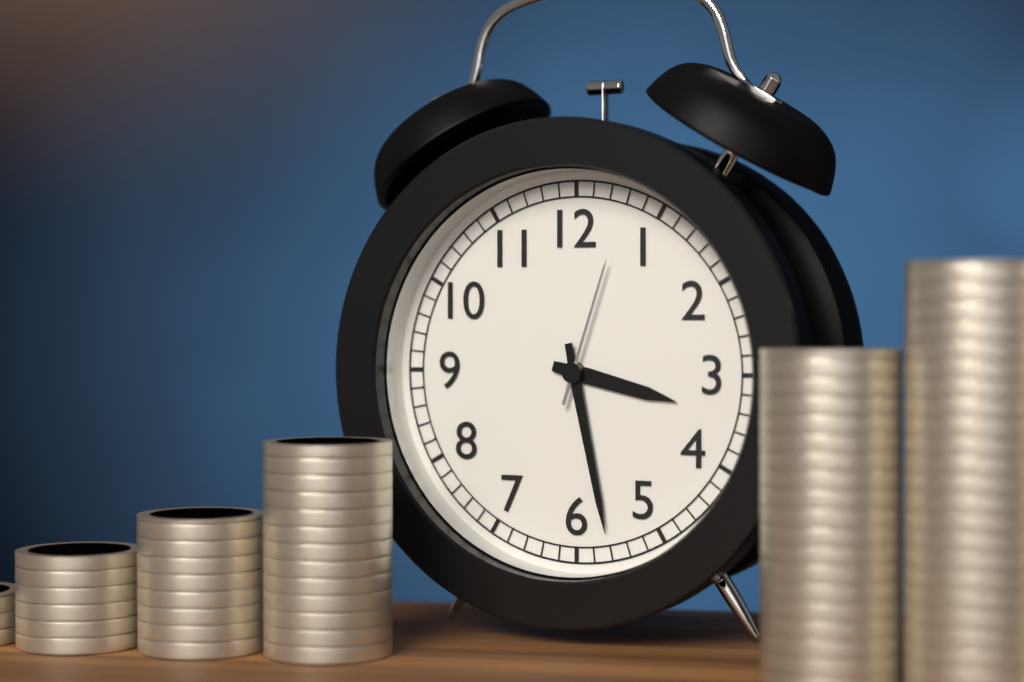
3:28:03
